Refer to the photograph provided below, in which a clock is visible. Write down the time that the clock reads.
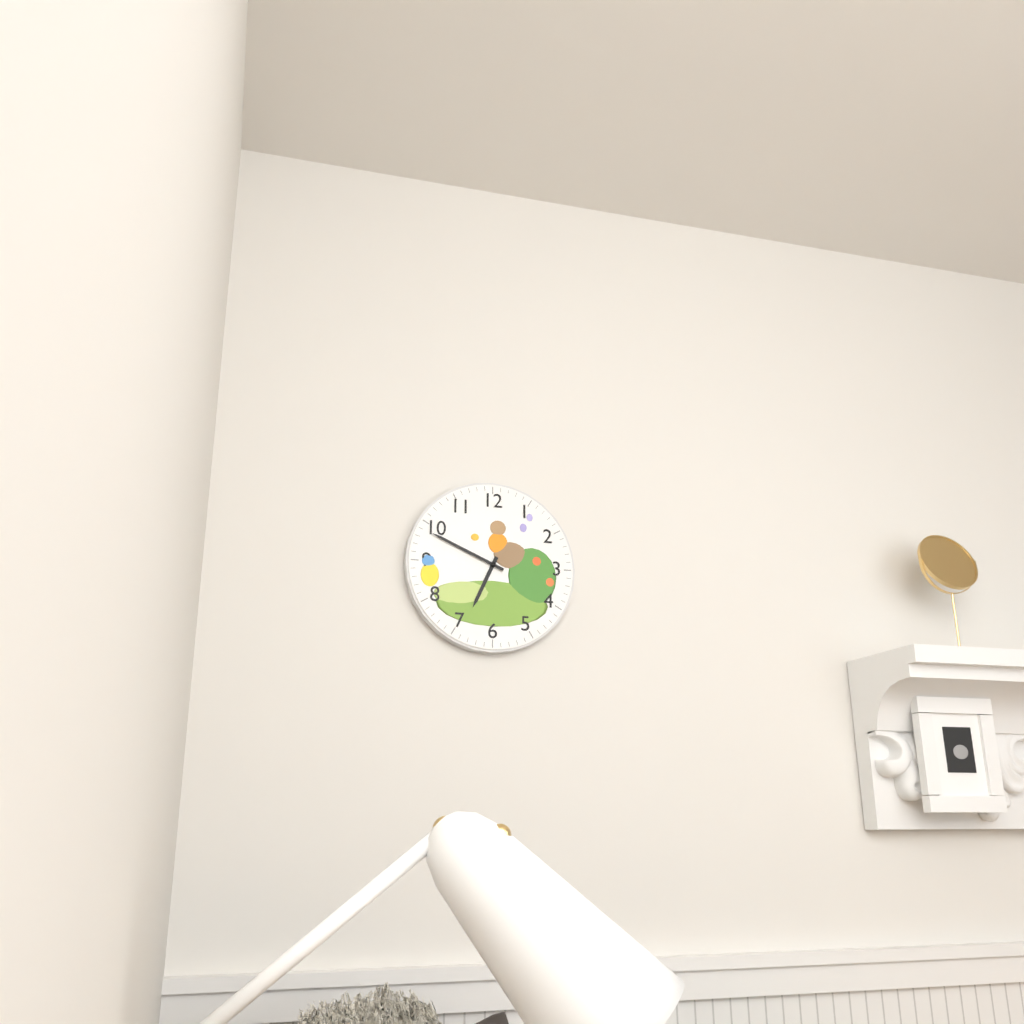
6:49
